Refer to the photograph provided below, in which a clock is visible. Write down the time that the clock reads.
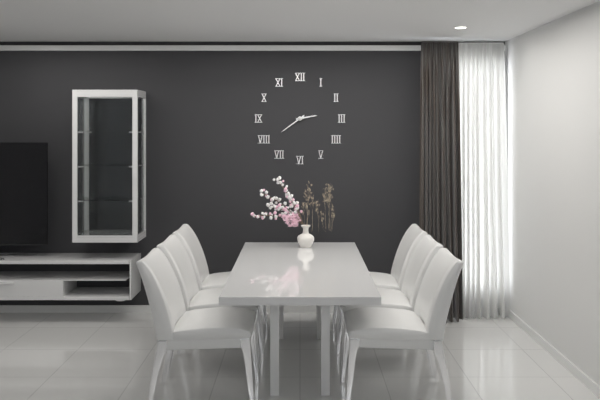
2:39
